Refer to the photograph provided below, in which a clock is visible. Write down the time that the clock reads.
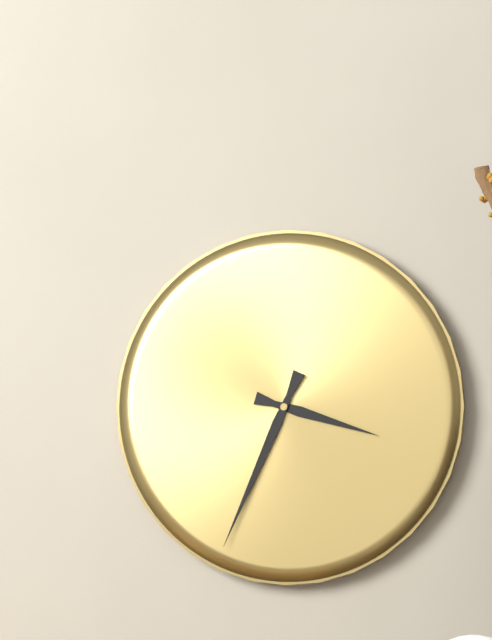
3:34
